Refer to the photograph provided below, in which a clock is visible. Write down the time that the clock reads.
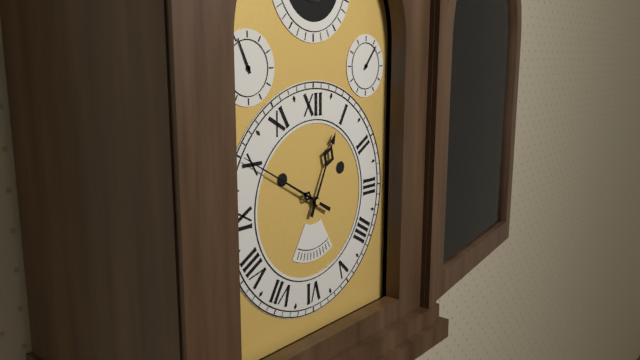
12:50
